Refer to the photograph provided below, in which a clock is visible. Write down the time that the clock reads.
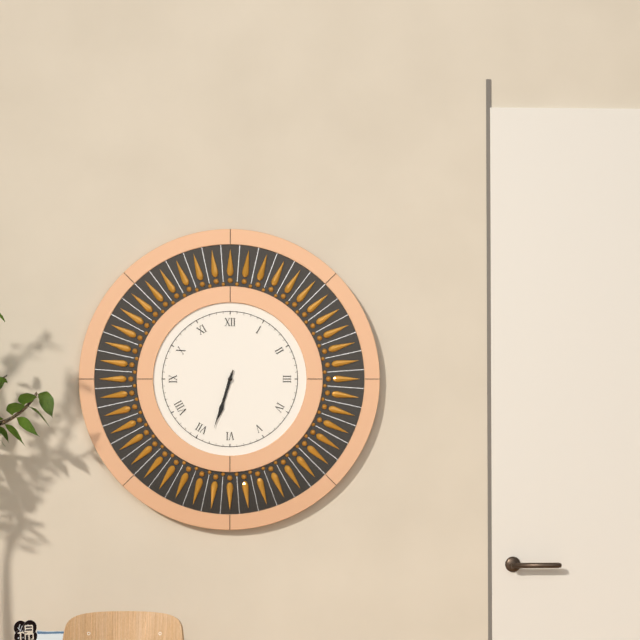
6:33
